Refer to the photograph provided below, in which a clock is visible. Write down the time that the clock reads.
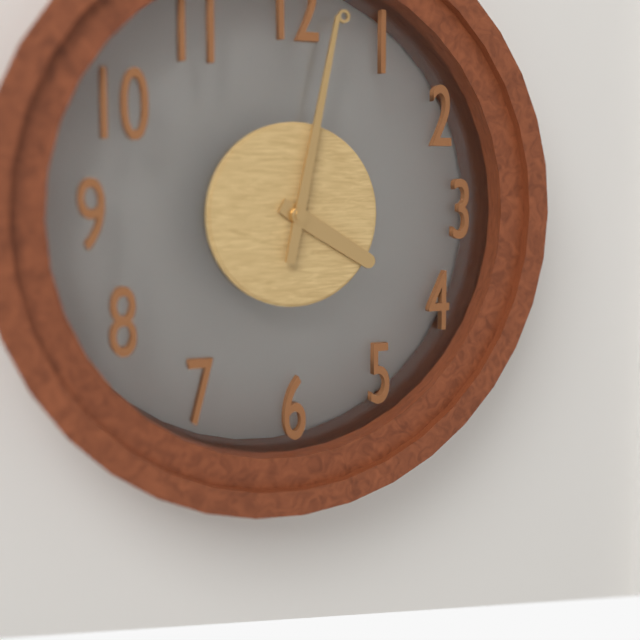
4:02
